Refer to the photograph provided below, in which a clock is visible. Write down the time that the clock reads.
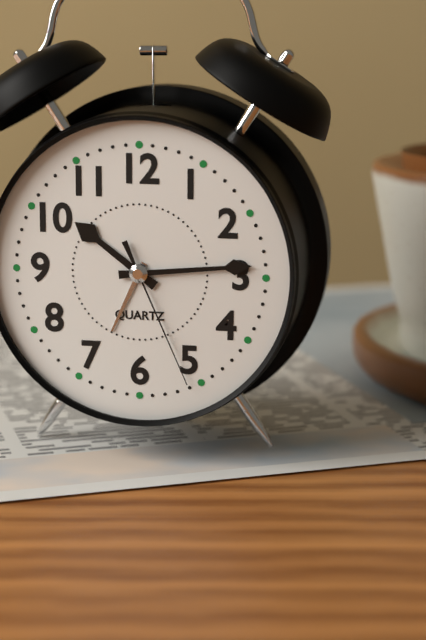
10:14:26
